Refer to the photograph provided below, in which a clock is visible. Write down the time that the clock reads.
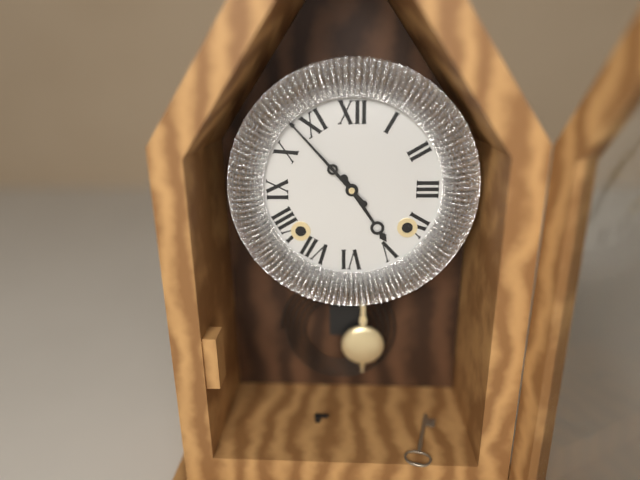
4:53
